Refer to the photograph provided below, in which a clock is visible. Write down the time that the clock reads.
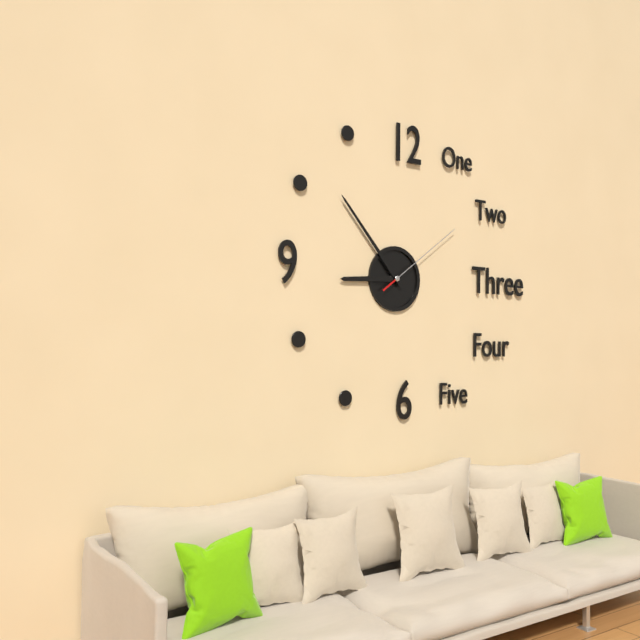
8:53:09
